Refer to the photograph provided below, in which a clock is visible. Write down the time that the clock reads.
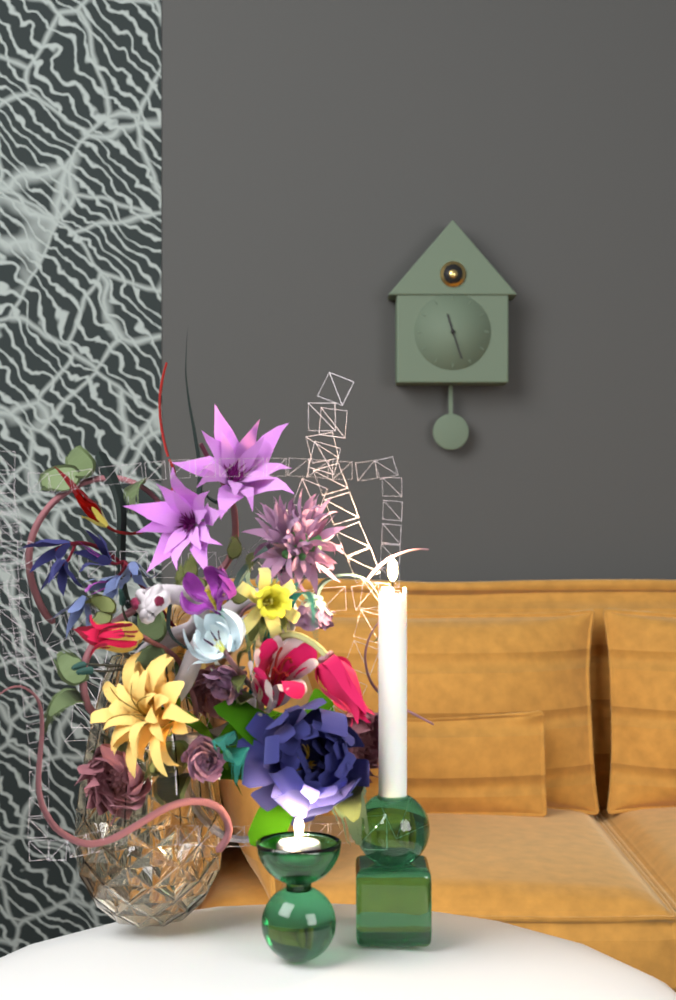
11:27
